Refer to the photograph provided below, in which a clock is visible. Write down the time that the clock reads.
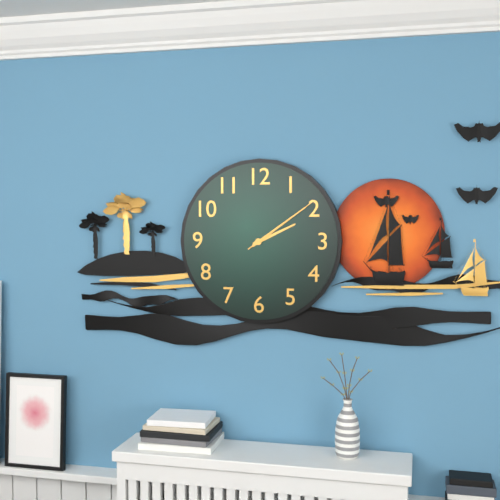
2:09:09
